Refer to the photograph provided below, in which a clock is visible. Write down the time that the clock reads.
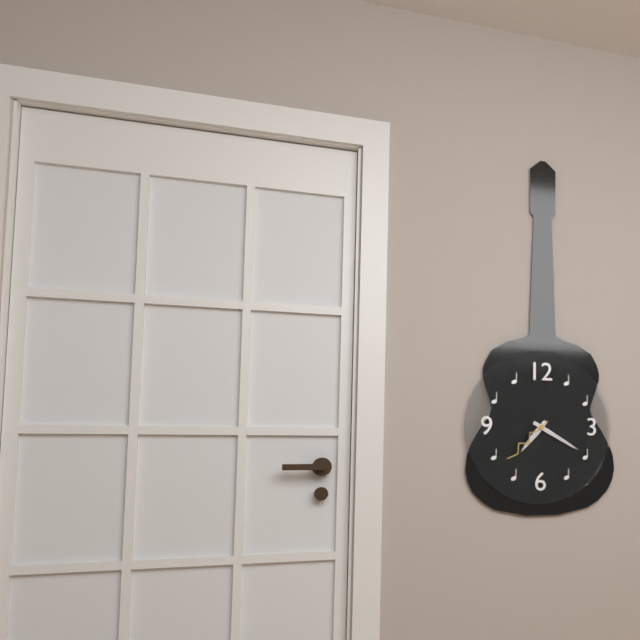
7:20:38
